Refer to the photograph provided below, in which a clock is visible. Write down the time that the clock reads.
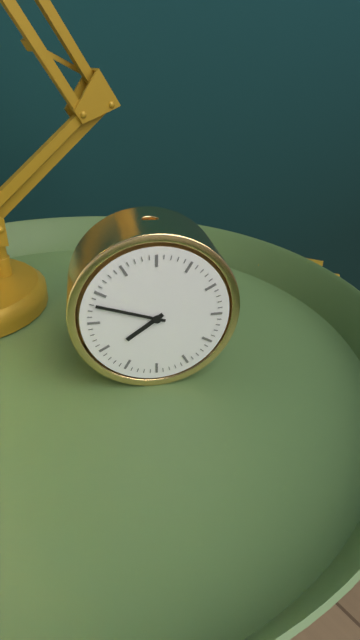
7:48
